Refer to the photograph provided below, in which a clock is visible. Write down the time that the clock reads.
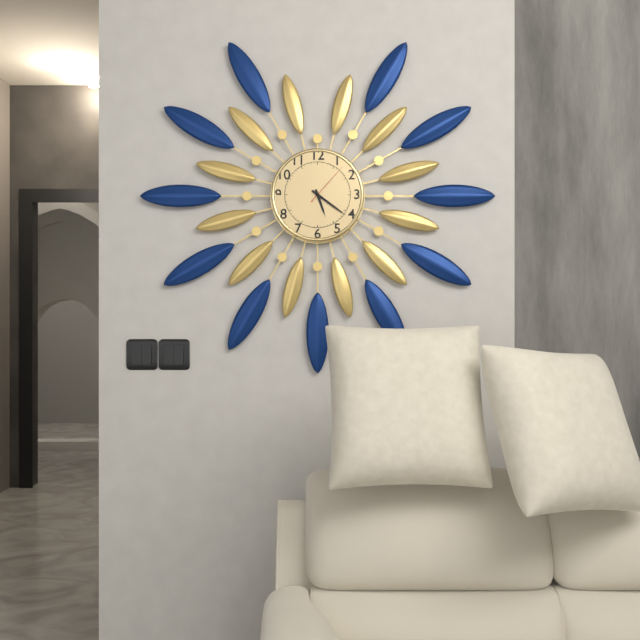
5:21
